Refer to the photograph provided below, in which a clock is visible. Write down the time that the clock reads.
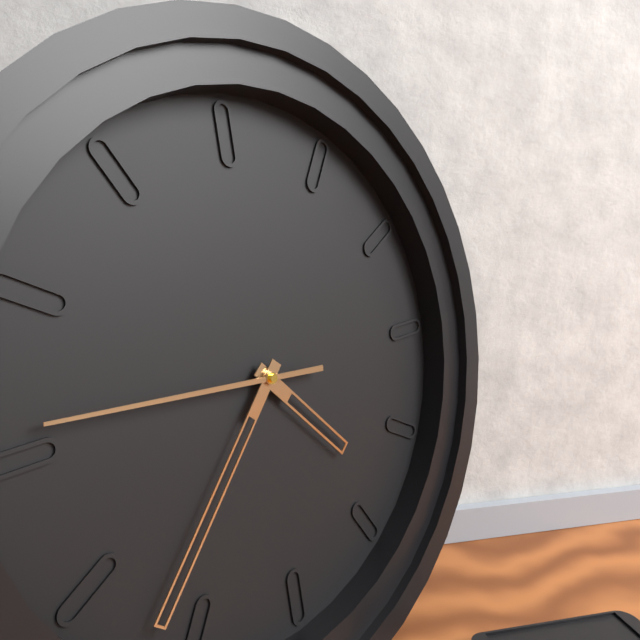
4:37:46
